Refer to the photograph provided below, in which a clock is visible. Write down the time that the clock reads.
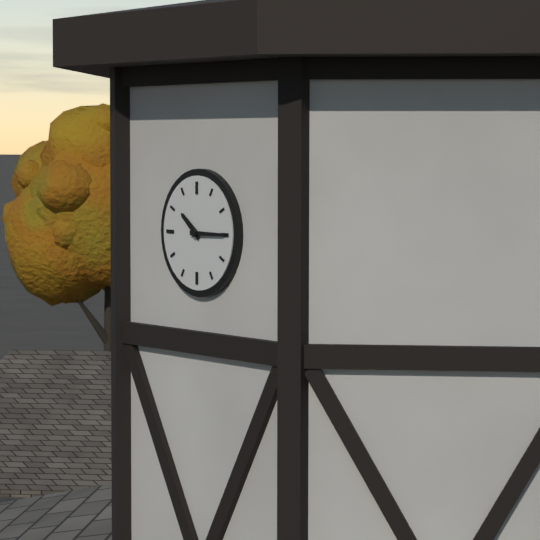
10:15
